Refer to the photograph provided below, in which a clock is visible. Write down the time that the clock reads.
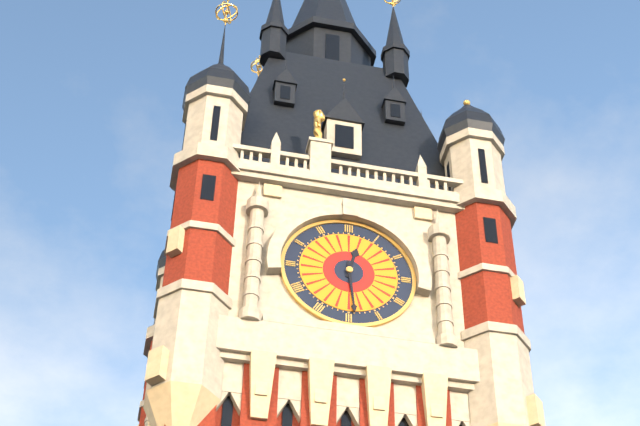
12:29
